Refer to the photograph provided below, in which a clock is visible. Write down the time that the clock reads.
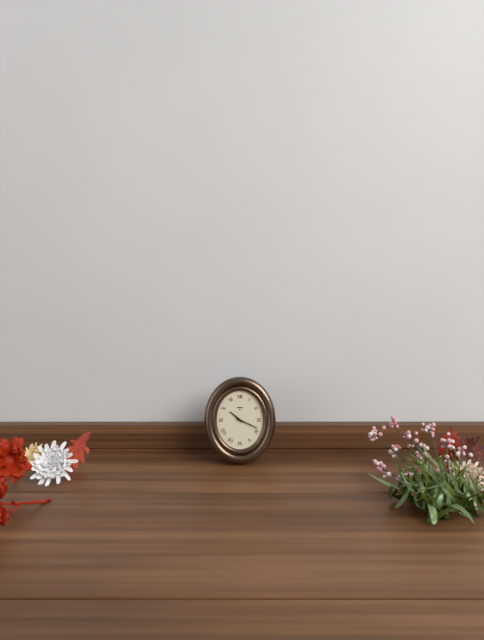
10:19
